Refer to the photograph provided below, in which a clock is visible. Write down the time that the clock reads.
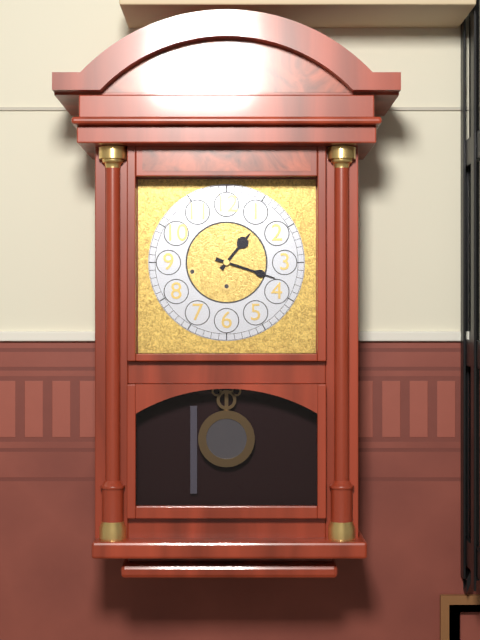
1:18
